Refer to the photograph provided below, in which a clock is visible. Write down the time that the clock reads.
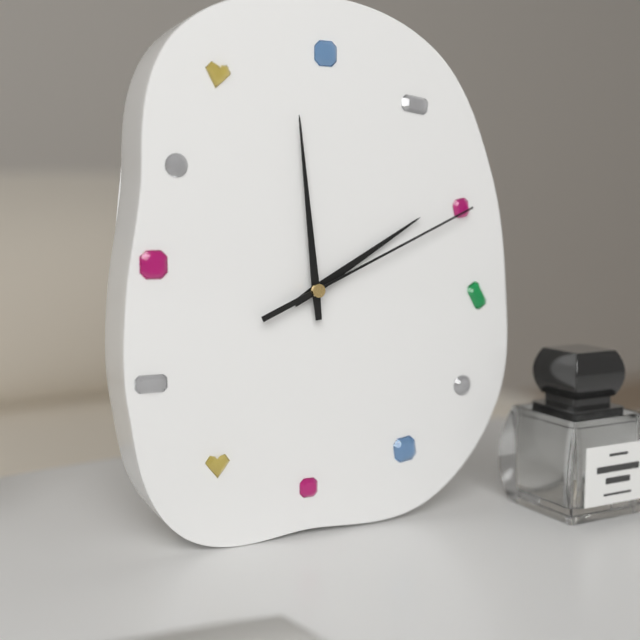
1:59:11
